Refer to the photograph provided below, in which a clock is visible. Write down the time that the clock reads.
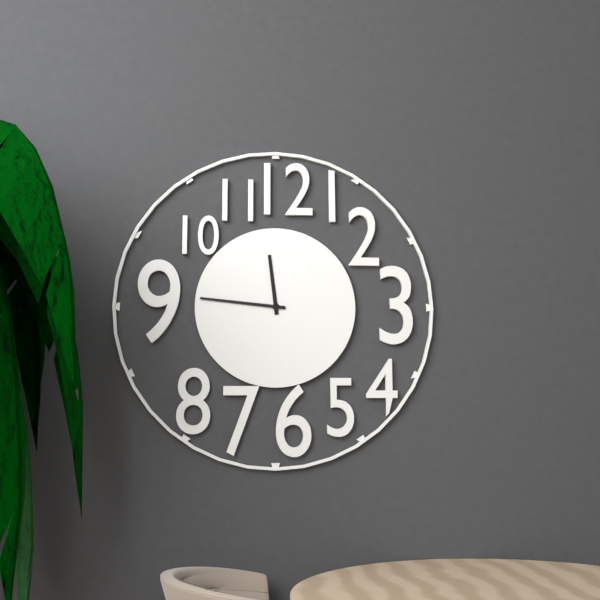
11:46
